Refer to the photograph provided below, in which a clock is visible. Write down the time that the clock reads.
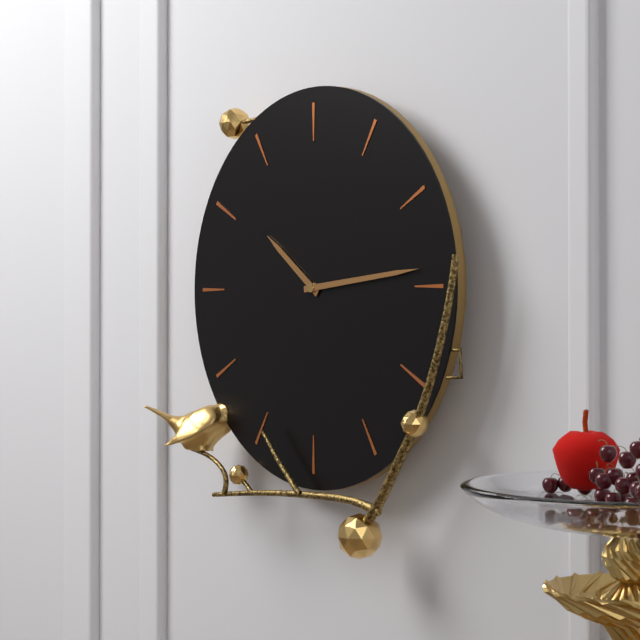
10:14
